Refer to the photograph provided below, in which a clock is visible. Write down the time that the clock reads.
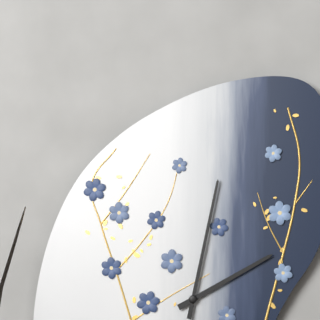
2:02
